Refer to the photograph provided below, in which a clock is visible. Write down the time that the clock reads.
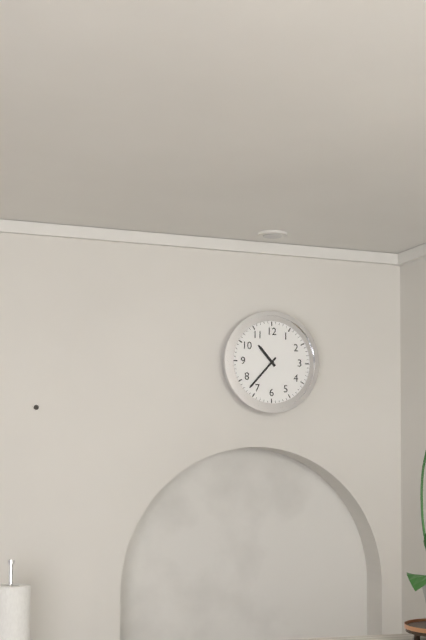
10:37
